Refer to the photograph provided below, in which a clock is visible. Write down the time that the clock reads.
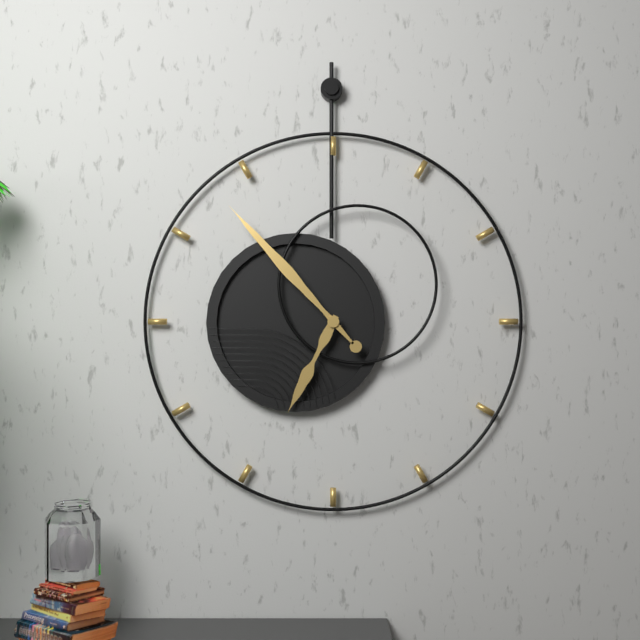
6:53
